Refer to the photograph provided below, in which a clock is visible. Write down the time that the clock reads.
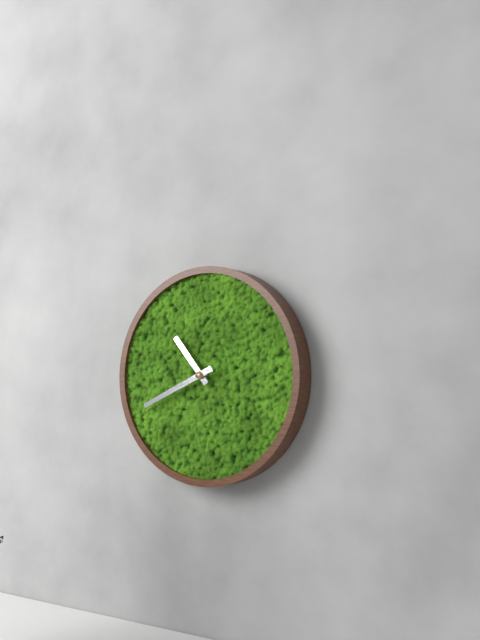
10:41
